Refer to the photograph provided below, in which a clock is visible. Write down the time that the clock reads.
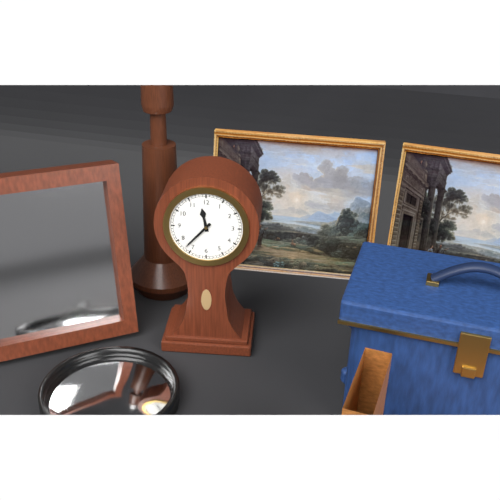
11:37
